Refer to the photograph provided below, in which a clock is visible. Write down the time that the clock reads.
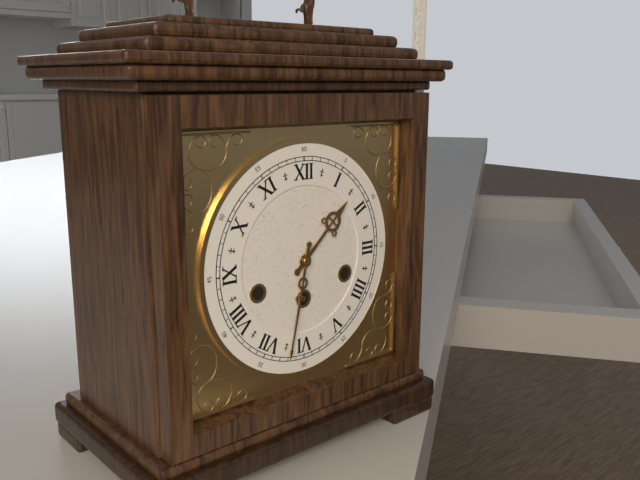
1:32
